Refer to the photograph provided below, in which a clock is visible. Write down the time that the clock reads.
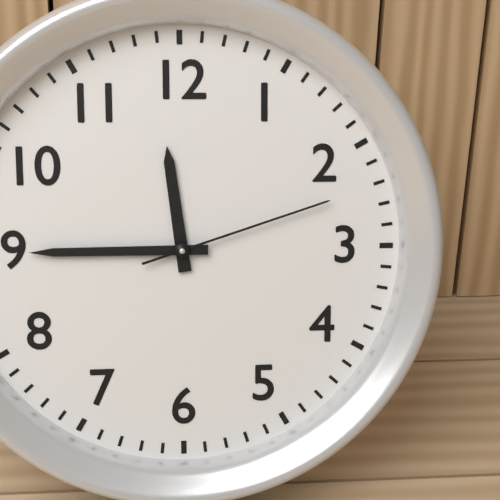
11:45:12
